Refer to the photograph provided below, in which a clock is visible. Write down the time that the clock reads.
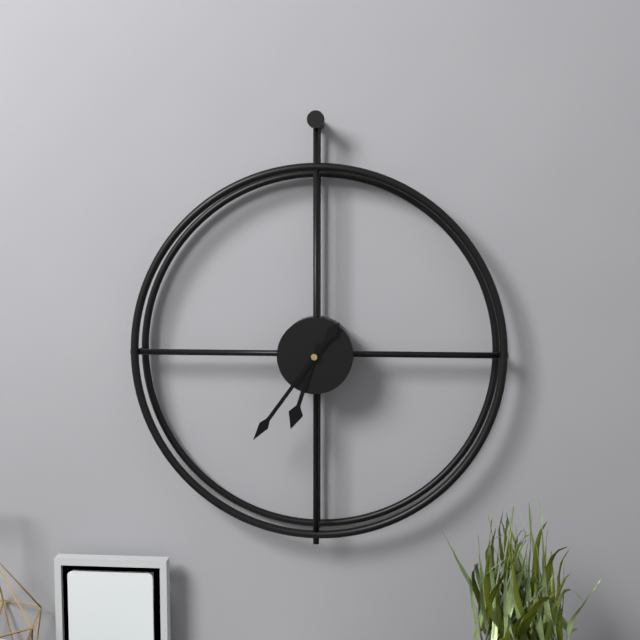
6:36
